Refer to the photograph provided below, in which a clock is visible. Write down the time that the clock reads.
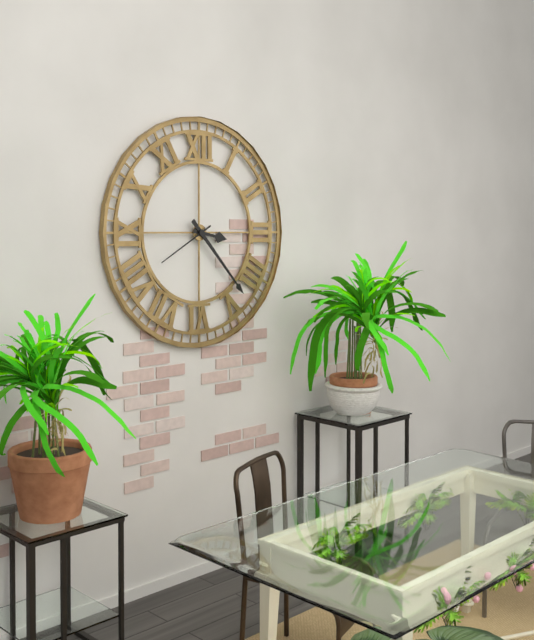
3:23:40
